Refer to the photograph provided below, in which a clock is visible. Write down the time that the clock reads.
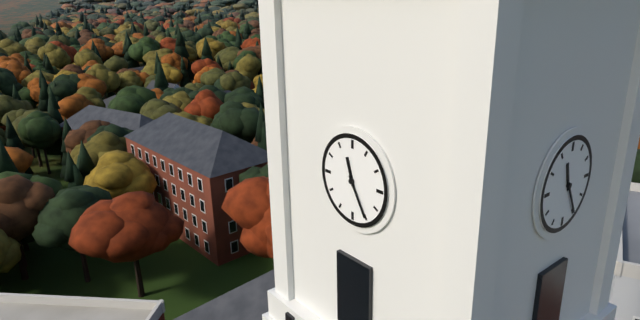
11:25
